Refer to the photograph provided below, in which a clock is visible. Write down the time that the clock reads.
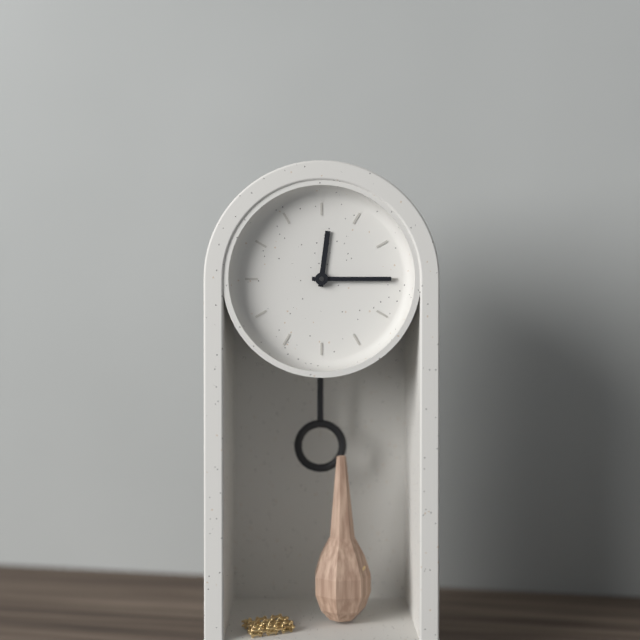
12:15
